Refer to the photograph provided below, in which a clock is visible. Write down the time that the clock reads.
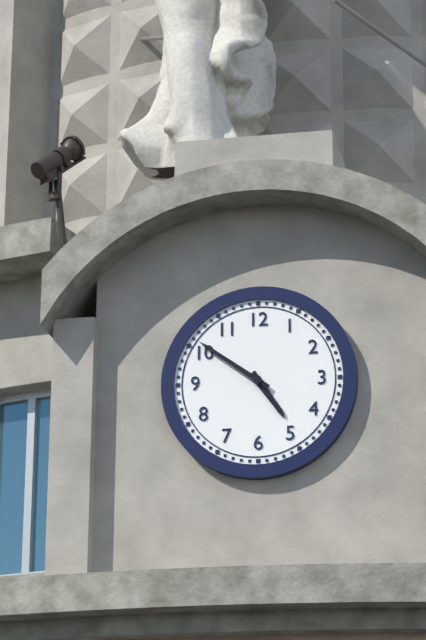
4:51
